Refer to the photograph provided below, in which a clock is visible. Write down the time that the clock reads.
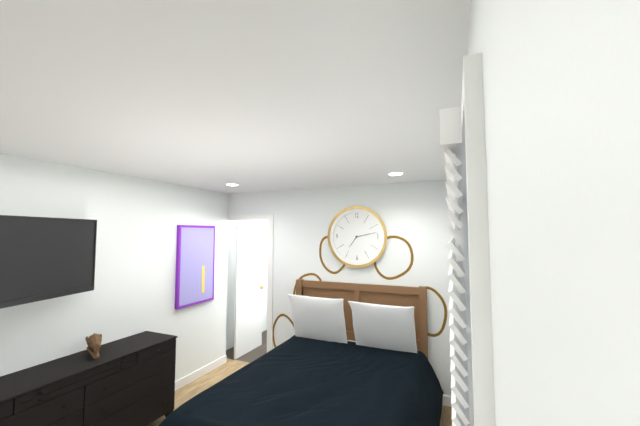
7:13
